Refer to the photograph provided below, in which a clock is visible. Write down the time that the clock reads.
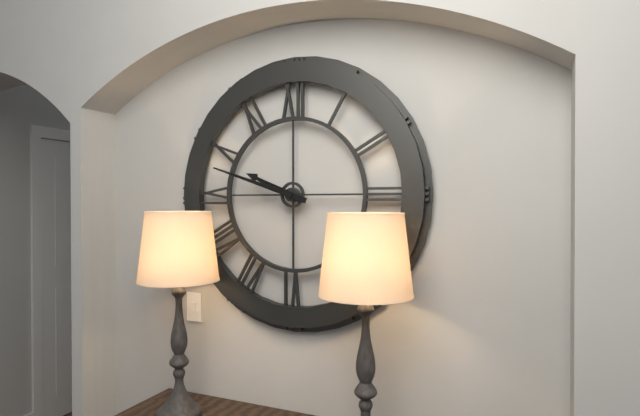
9:48
